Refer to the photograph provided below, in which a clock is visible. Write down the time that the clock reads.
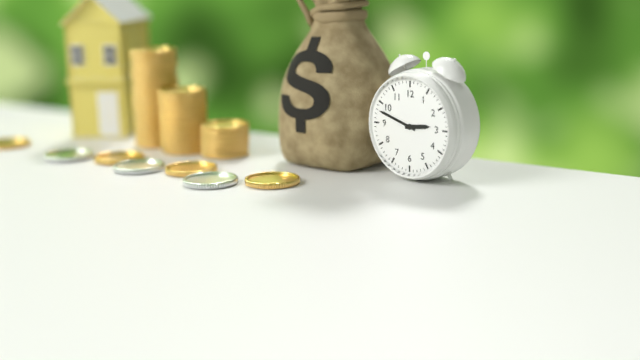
2:48
